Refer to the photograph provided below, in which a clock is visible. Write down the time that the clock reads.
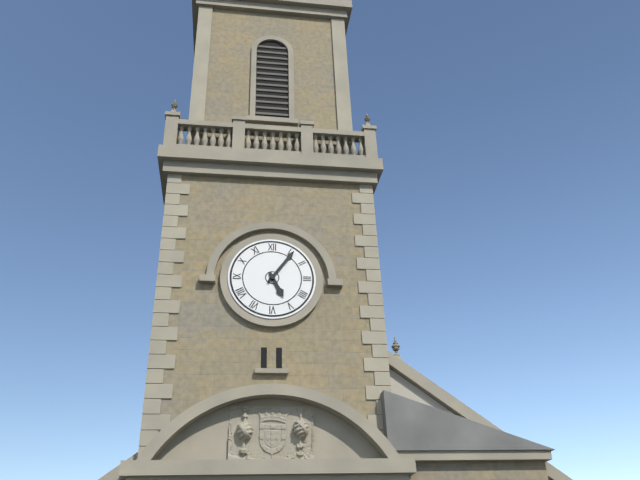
5:06
